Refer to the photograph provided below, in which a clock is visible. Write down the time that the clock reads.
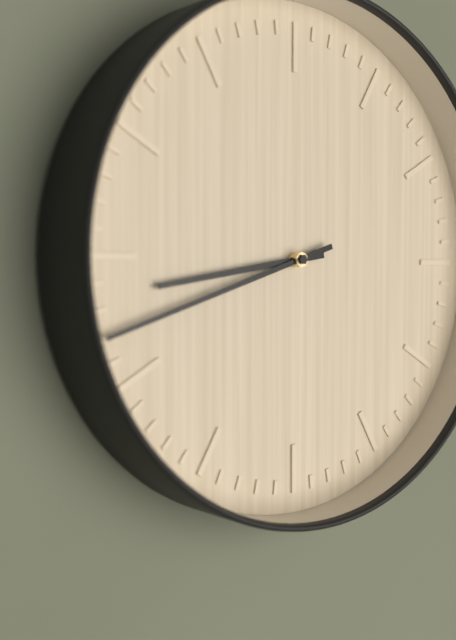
8:42
